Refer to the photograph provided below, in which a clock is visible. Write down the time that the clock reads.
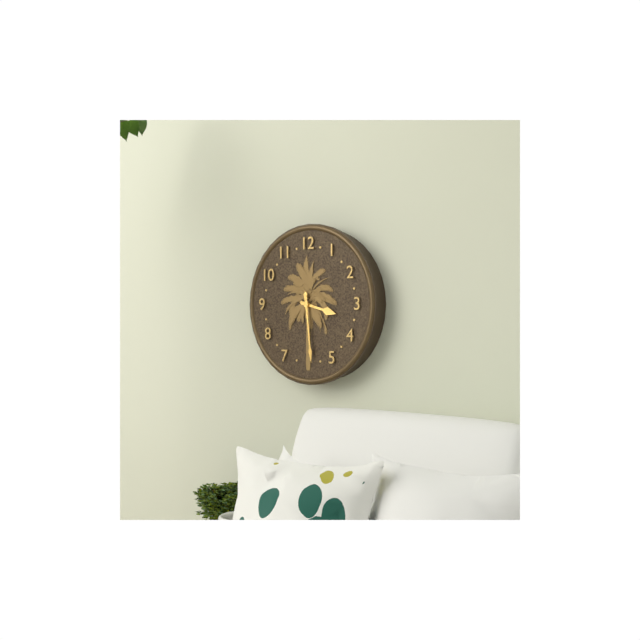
3:29
